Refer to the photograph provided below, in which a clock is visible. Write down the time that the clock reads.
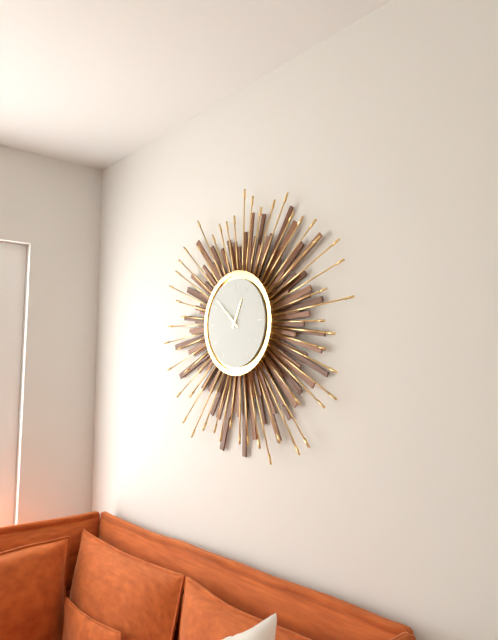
12:52
